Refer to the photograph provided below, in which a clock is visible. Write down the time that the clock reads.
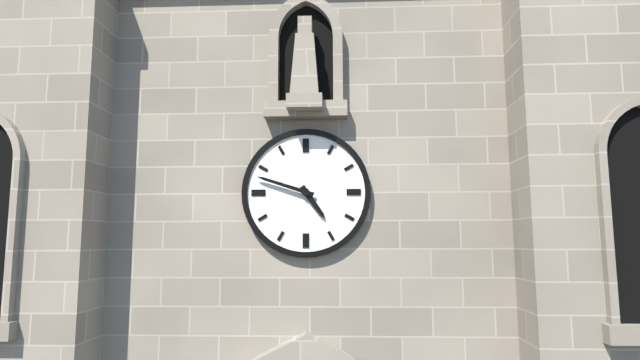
4:48
